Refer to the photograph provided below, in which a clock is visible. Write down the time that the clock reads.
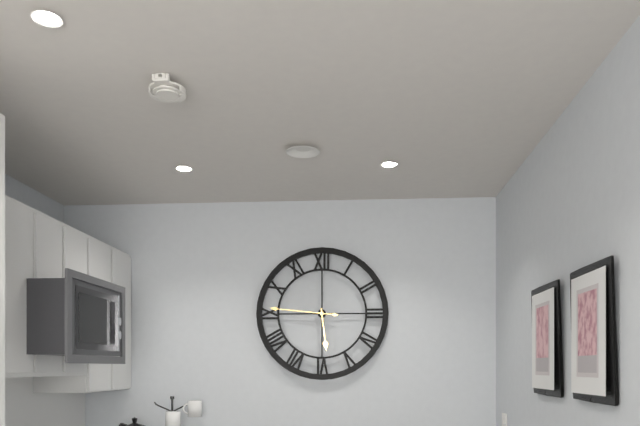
5:46
